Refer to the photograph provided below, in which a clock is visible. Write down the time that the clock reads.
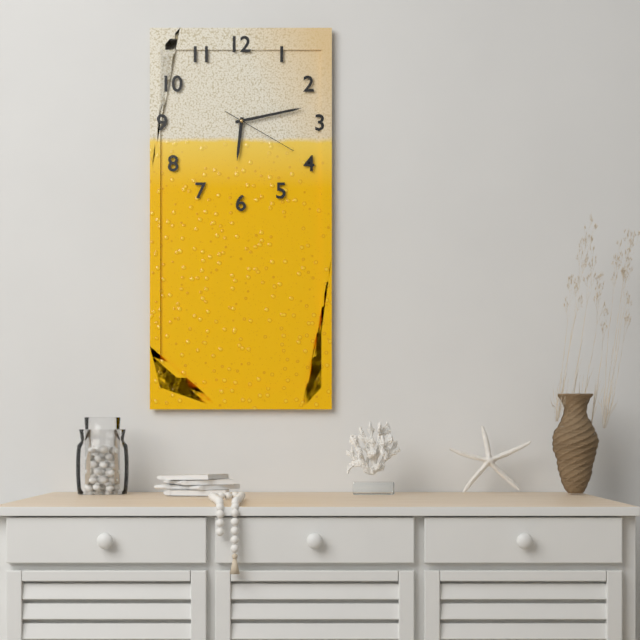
6:13:20
